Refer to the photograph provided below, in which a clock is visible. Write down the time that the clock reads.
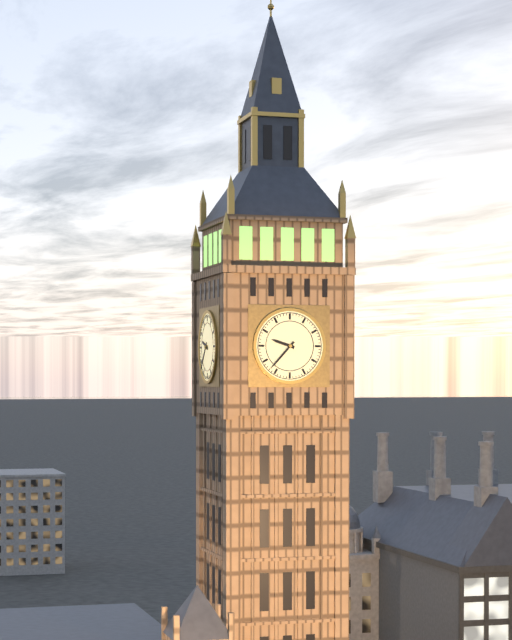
9:37
